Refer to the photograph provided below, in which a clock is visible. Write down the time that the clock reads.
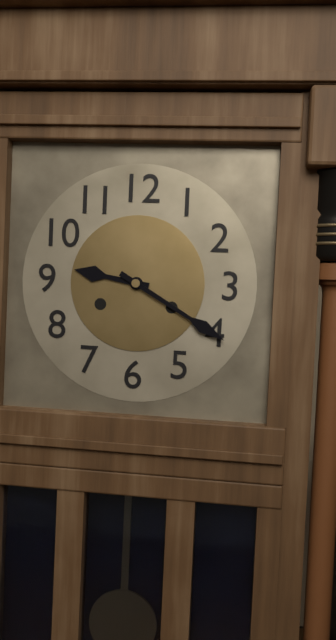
9:20
